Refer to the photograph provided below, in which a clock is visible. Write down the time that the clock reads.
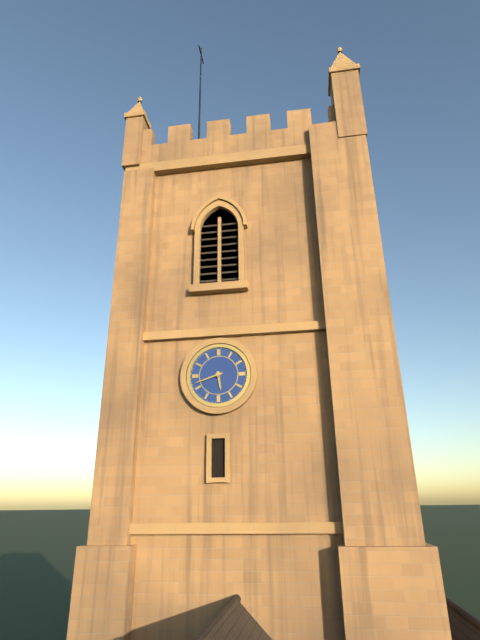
5:42
